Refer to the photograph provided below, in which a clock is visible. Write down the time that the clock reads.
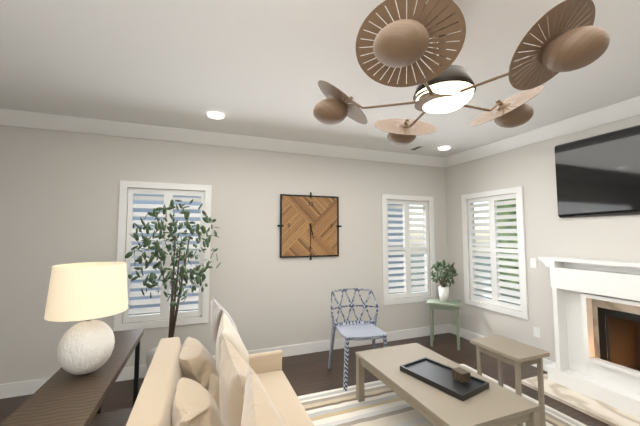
5:30
